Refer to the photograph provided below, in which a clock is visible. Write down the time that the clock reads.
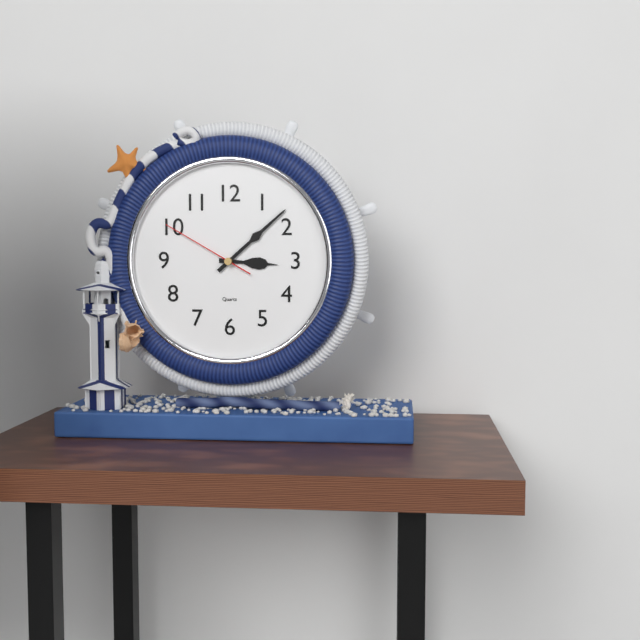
3:08:50
